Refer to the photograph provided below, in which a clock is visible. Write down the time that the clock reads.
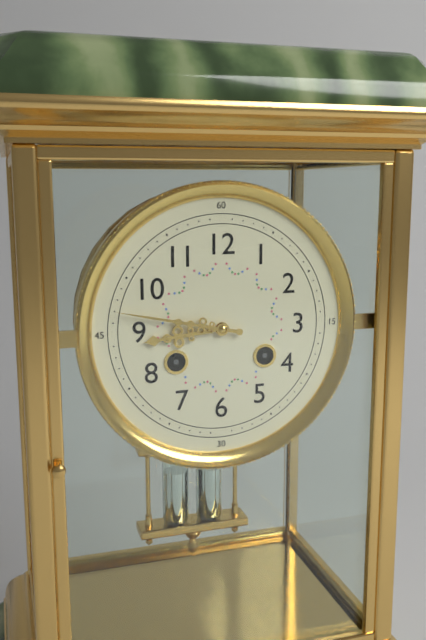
8:47
